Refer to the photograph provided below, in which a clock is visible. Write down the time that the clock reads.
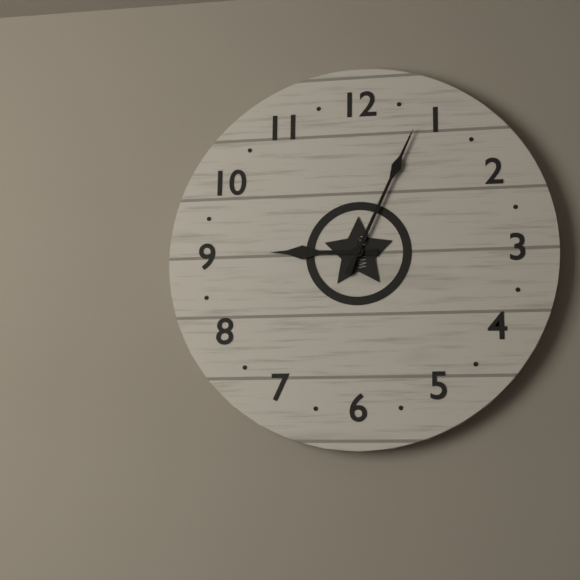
9:04
